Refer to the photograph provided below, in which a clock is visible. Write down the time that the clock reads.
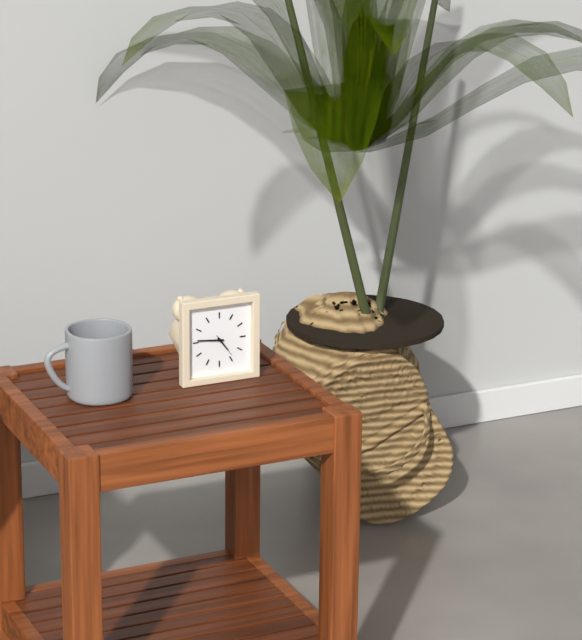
4:46
